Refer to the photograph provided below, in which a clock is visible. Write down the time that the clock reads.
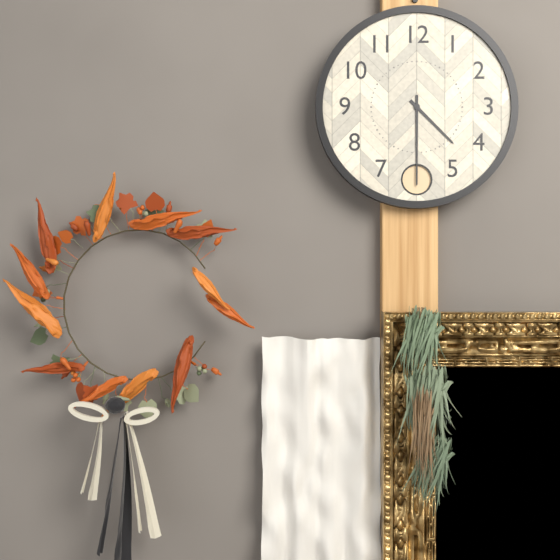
4:30
